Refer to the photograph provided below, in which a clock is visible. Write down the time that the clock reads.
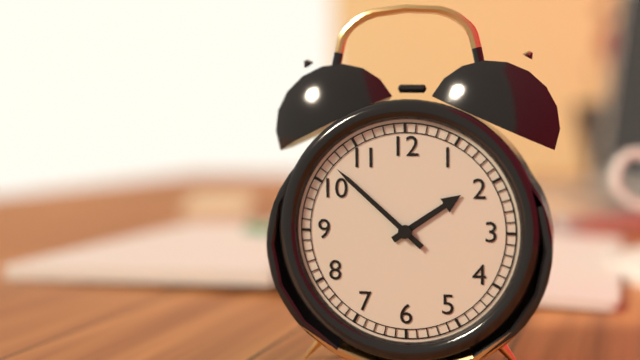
1:52
